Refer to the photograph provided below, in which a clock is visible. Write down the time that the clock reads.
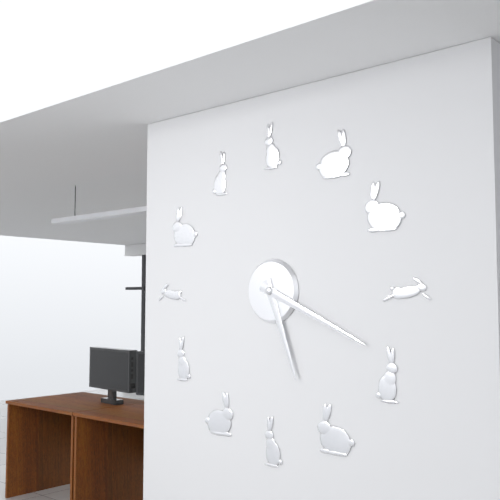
5:19
